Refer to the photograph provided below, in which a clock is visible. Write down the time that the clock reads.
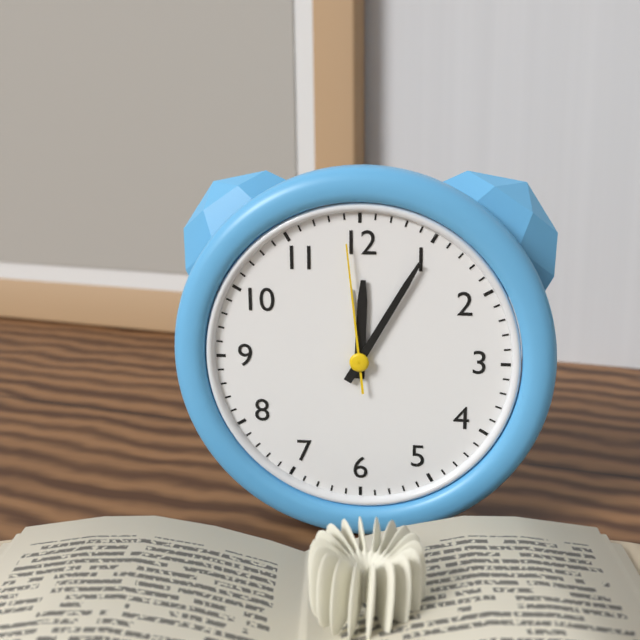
12:05:59
